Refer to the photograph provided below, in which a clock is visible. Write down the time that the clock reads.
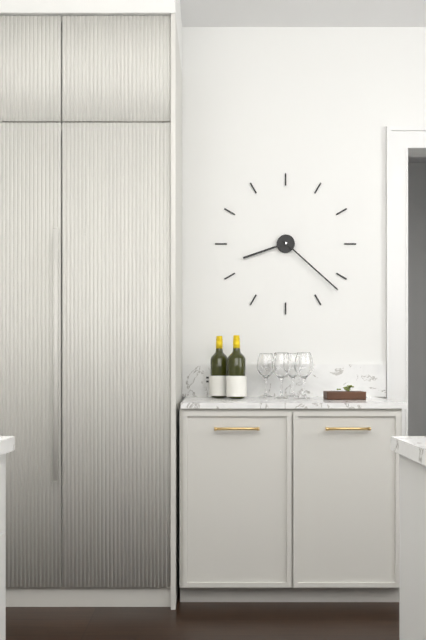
8:22
